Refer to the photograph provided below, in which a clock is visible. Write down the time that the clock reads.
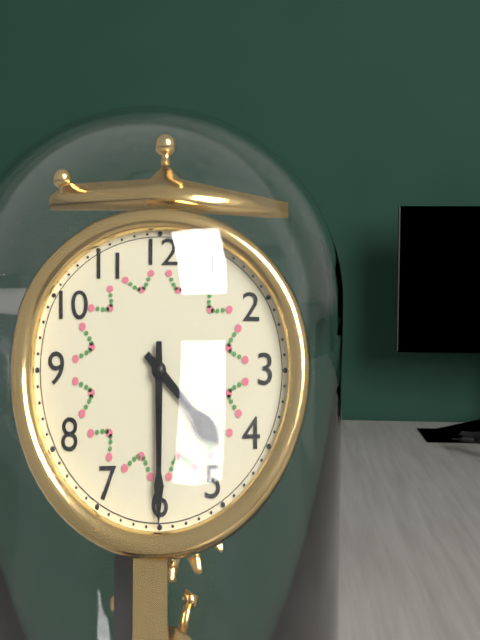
4:30
